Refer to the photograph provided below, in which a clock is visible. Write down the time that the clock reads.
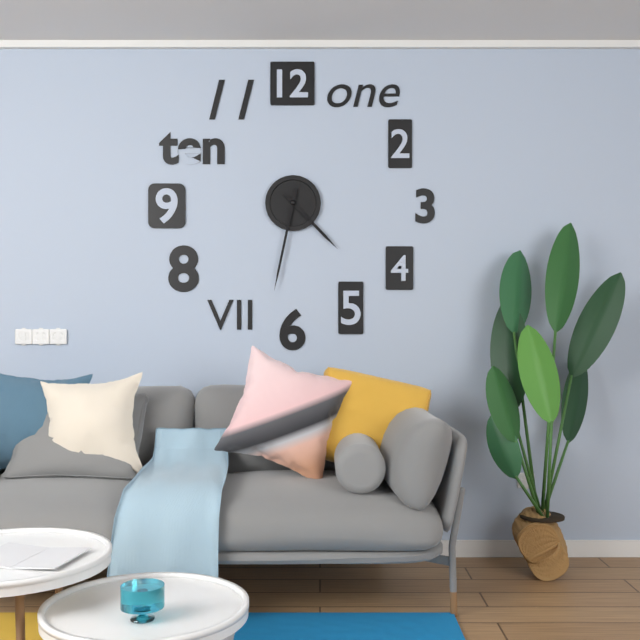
4:32
